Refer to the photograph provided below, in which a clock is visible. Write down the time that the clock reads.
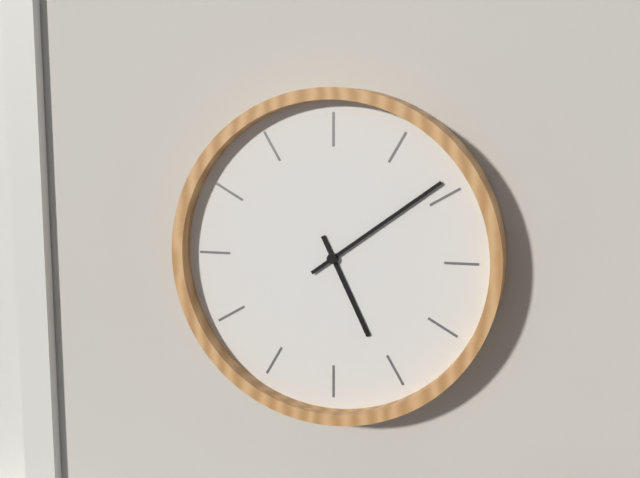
5:09
